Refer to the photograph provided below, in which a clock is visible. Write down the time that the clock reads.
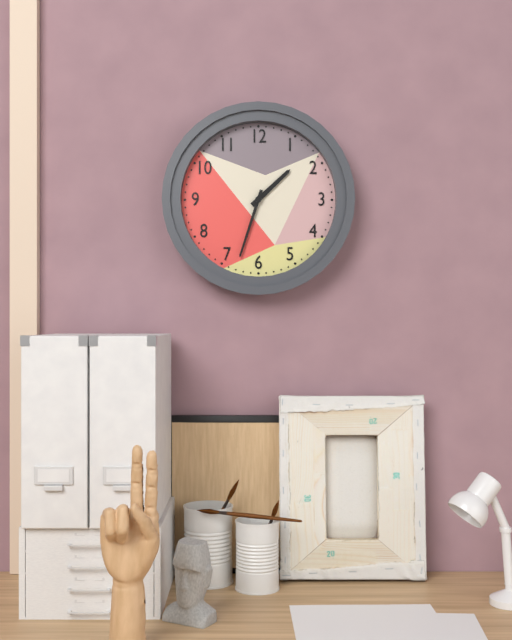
1:33
